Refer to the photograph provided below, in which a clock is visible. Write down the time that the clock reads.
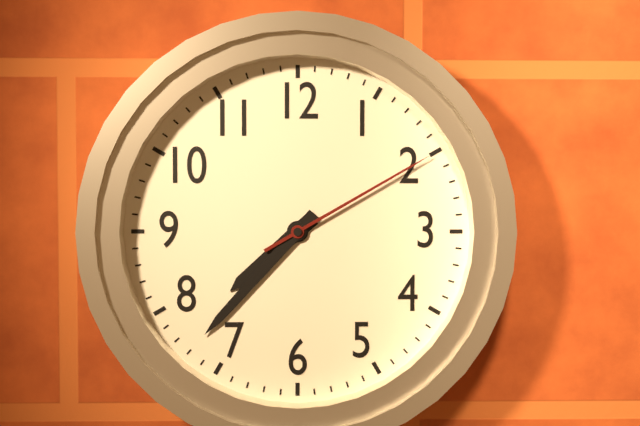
7:37:10
